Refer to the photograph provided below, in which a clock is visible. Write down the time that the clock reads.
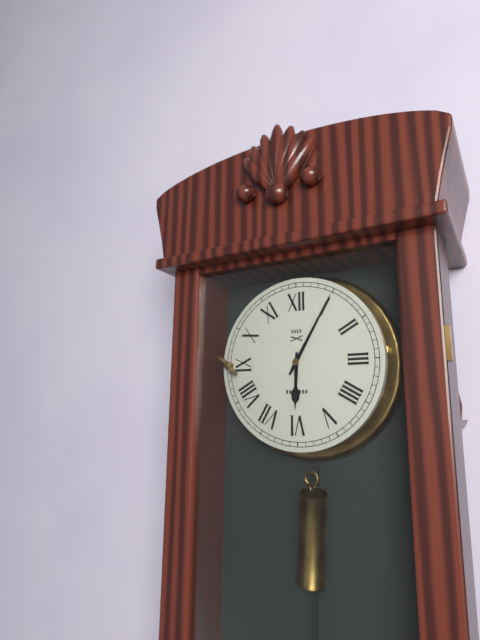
6:05
